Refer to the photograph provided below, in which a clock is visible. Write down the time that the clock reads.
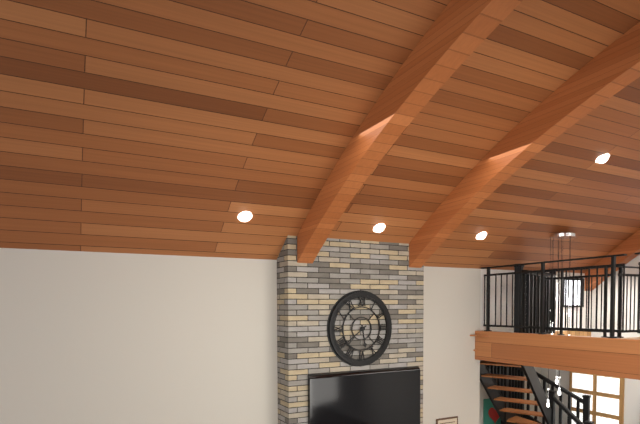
5:39
